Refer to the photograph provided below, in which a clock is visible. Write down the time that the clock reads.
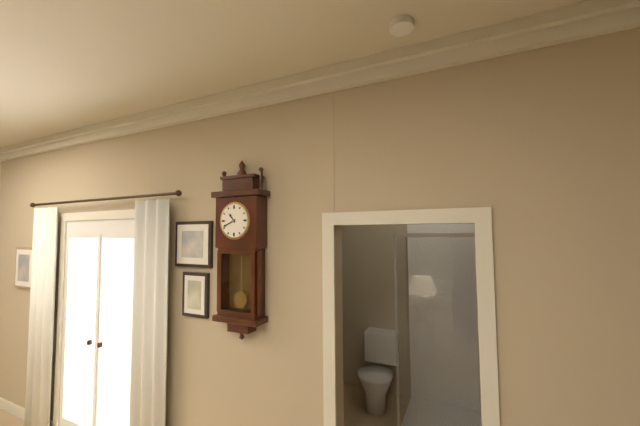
10:41
